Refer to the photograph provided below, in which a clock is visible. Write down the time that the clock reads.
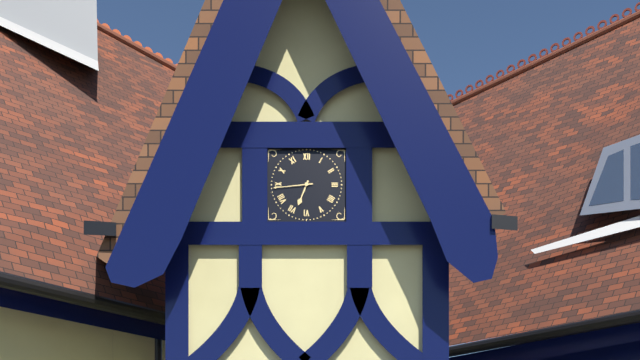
6:44
